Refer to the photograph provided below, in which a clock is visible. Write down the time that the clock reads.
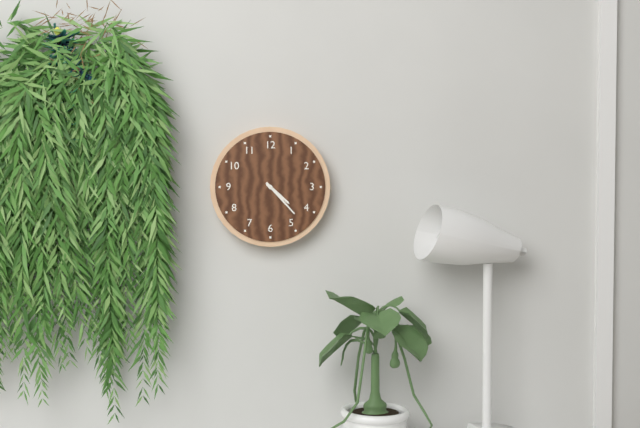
4:23
